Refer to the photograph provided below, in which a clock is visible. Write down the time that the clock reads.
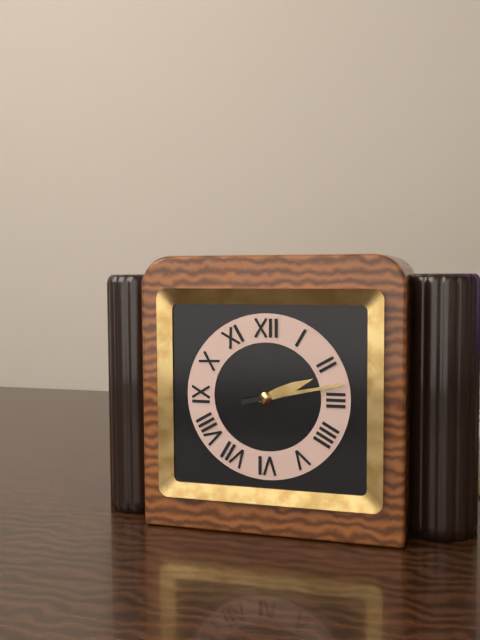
2:13
